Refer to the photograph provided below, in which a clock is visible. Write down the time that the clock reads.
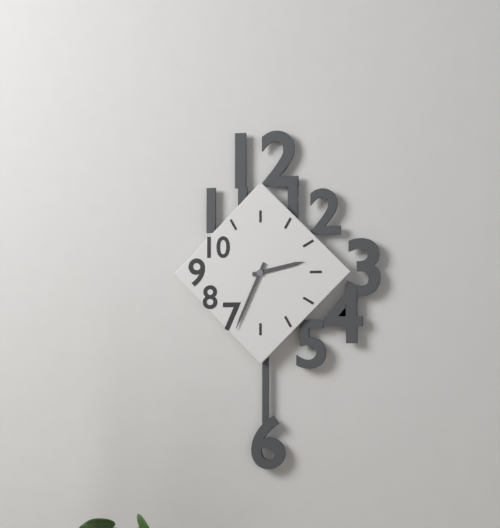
2:34
